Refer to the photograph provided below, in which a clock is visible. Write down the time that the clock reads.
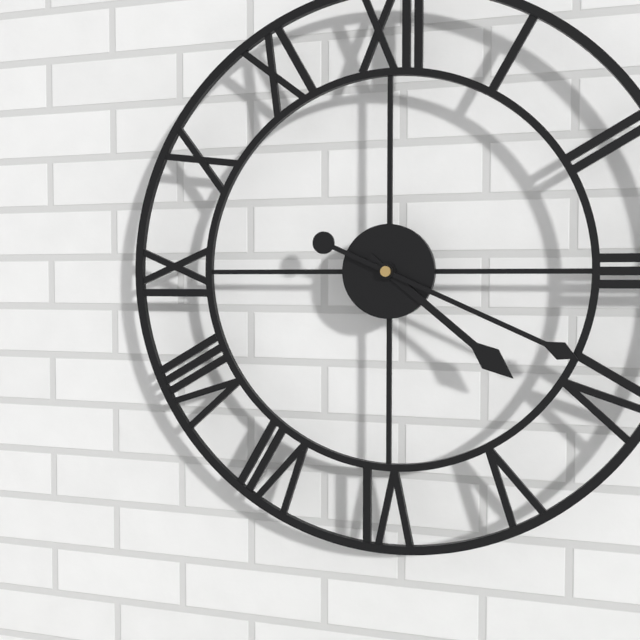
4:19
